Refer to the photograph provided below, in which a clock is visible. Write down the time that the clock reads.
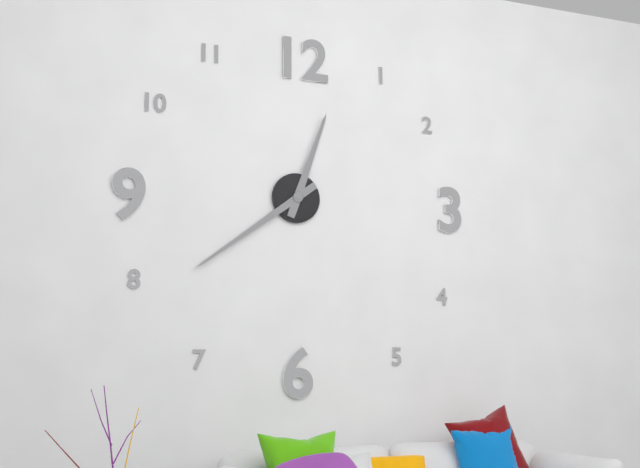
12:39
